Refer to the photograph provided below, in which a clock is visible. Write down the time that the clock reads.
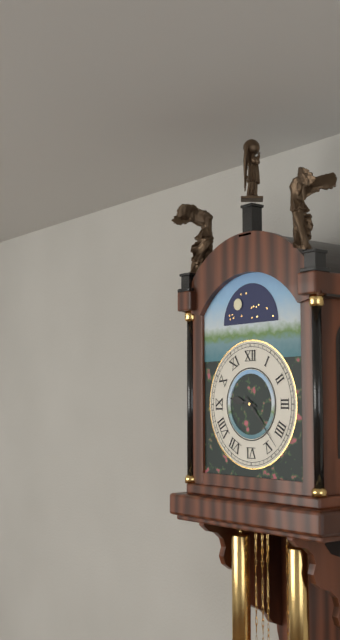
9:23
